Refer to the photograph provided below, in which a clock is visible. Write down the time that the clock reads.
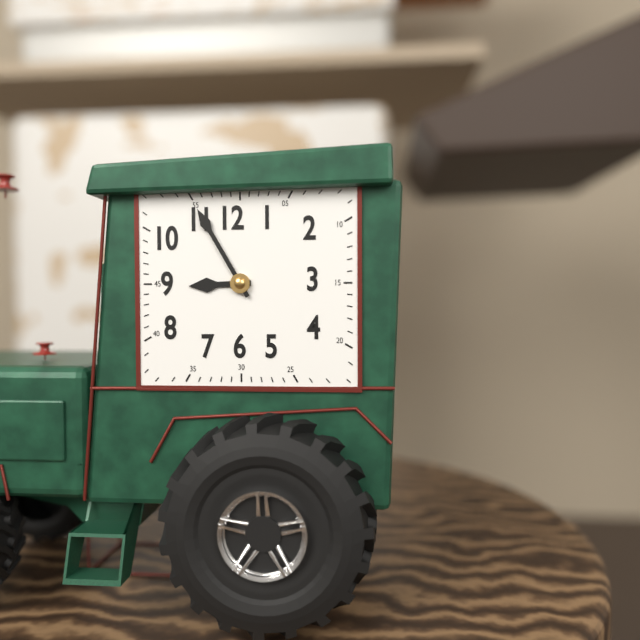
8:55
